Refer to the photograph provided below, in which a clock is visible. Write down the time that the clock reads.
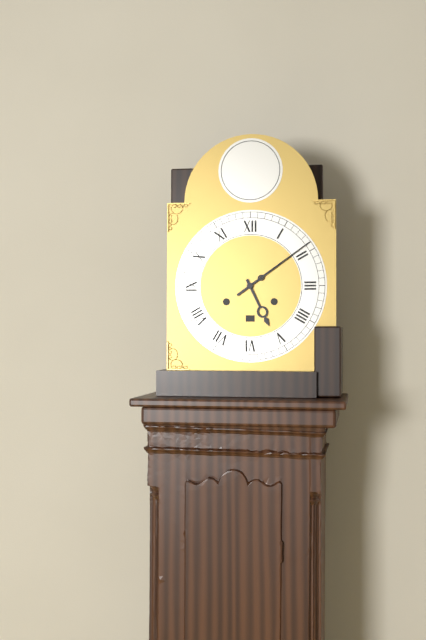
5:09
